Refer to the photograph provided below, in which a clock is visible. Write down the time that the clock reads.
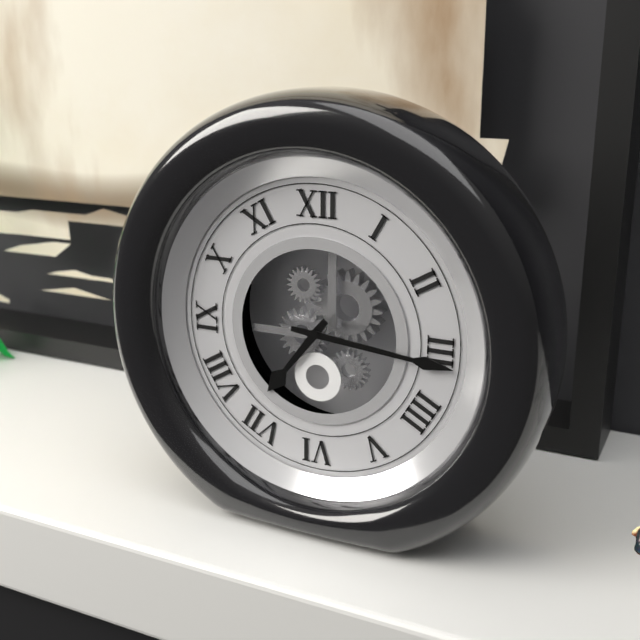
7:16
